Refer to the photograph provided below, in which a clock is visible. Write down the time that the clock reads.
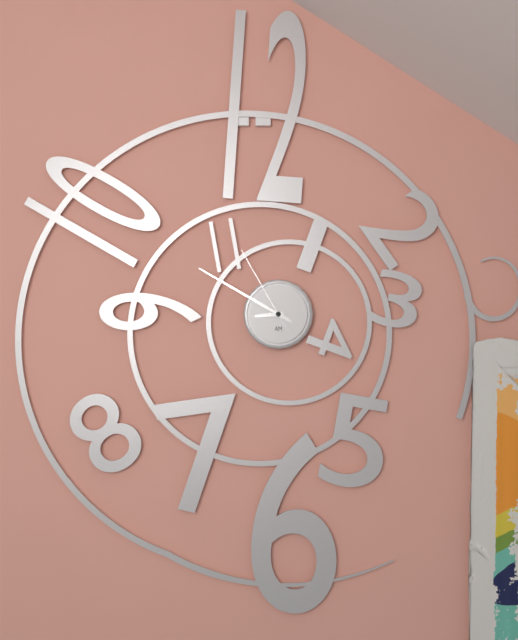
8:50:55
